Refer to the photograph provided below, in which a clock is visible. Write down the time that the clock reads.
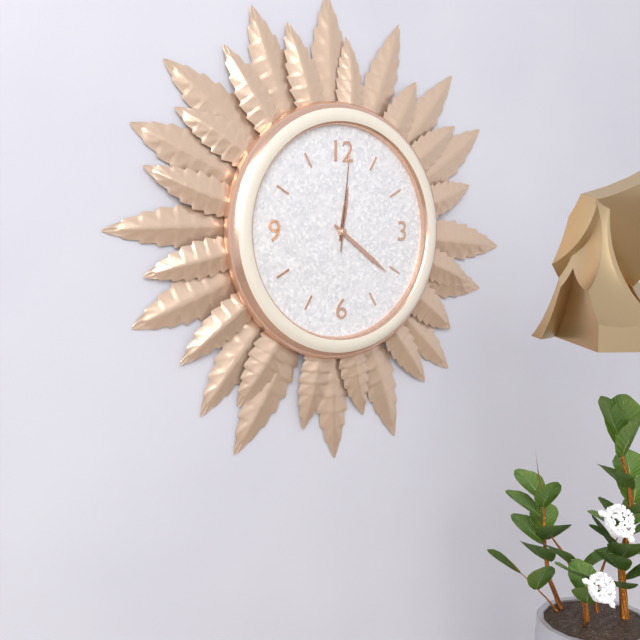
12:21:01
